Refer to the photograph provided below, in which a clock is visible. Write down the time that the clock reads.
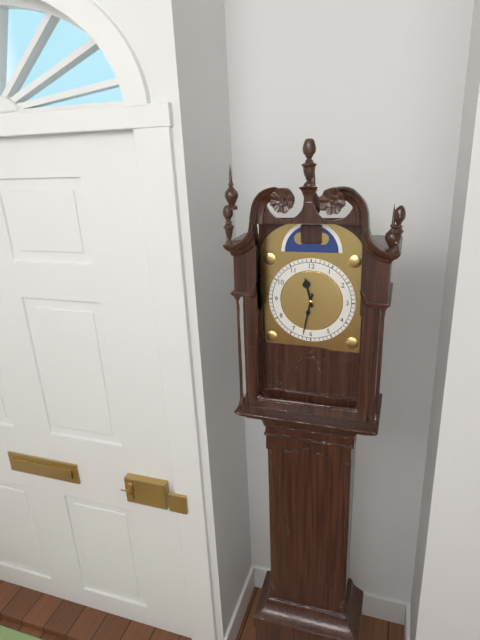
11:32
